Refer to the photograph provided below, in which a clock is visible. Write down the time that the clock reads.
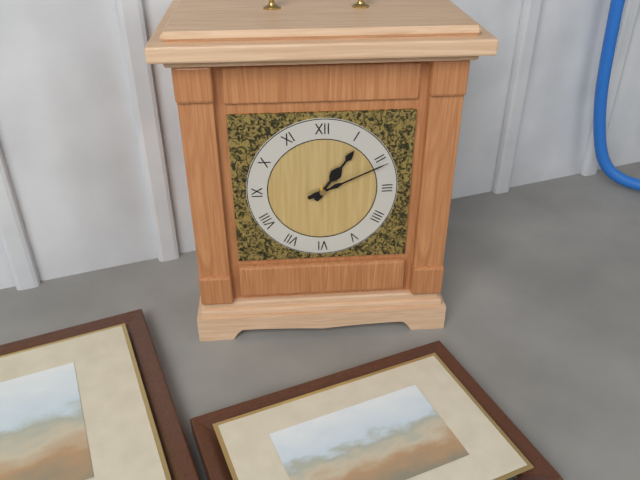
1:11
